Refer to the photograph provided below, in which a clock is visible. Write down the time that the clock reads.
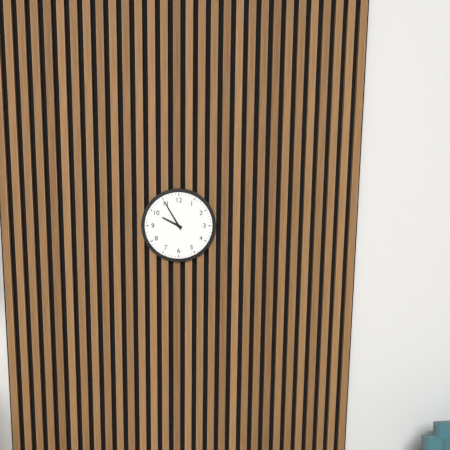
9:55
